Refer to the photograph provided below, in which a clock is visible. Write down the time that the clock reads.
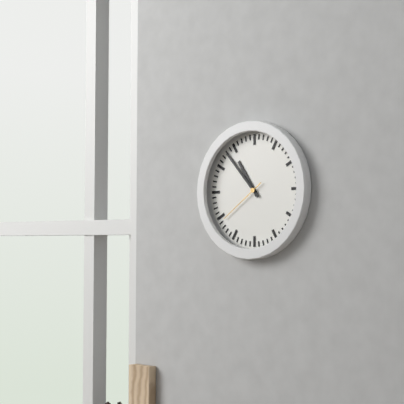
10:53:39
